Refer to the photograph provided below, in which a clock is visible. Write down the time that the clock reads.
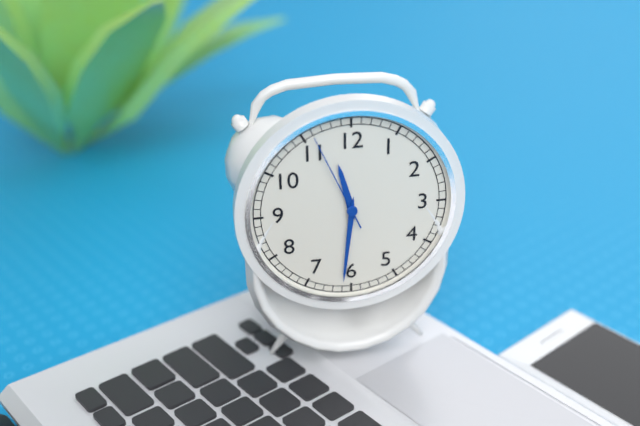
11:31:56
